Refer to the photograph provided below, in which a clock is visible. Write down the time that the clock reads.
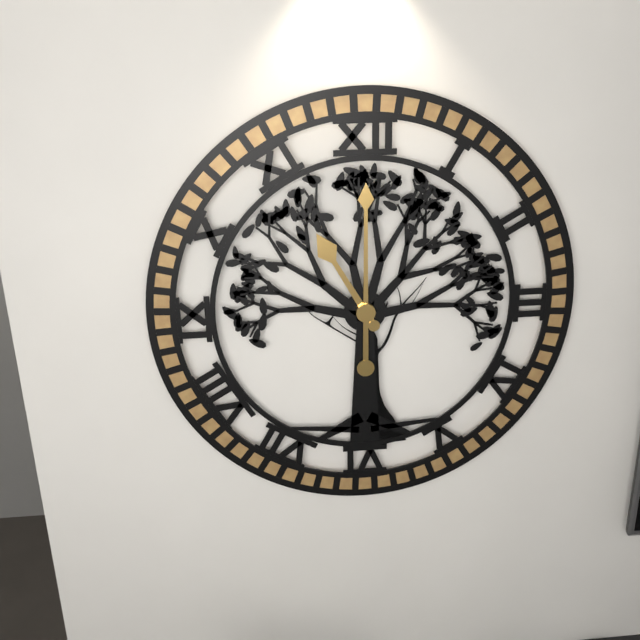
11:00
